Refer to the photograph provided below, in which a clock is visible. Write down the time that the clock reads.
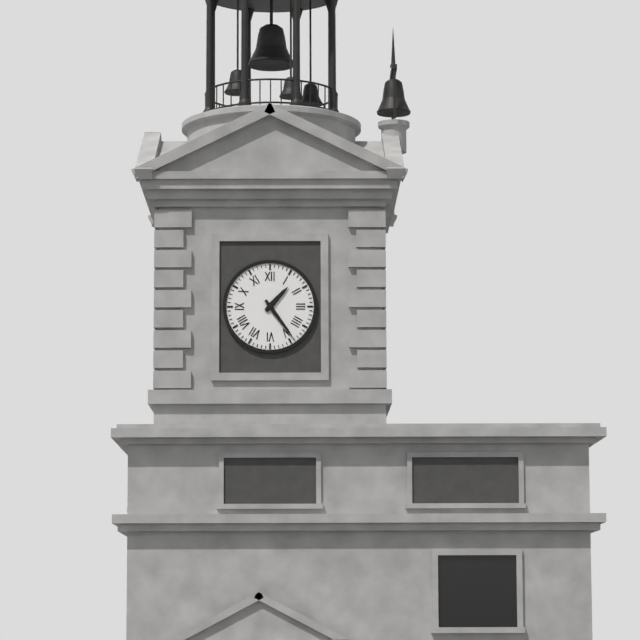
1:24
